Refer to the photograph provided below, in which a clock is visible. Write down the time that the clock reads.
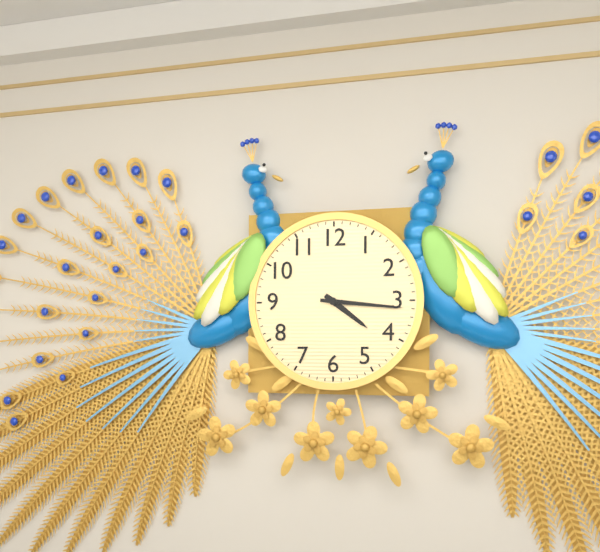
4:16
